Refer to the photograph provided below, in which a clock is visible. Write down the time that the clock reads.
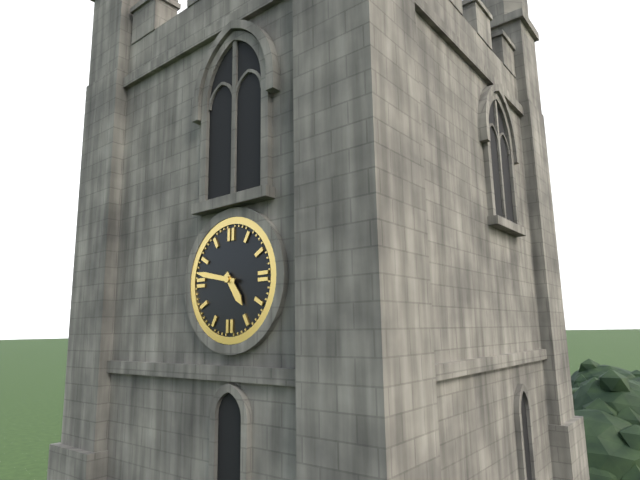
4:47
